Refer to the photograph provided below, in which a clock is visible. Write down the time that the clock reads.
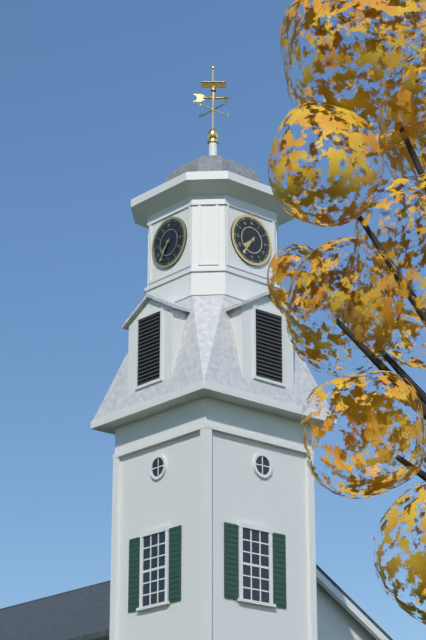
7:36
